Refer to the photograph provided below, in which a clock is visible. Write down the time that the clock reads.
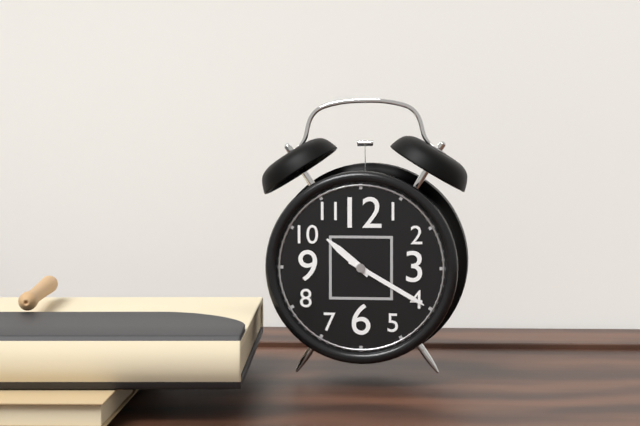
10:20
